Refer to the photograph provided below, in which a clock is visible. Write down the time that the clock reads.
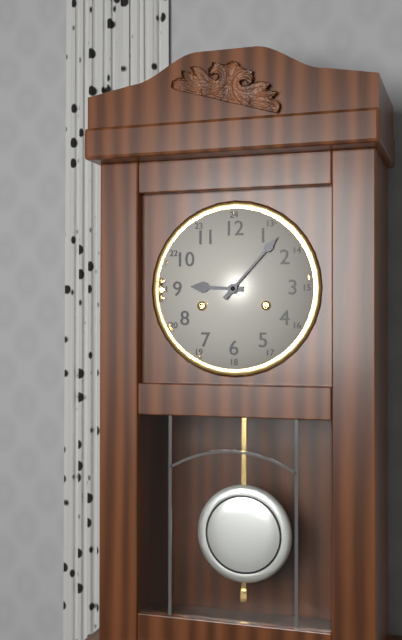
9:07
